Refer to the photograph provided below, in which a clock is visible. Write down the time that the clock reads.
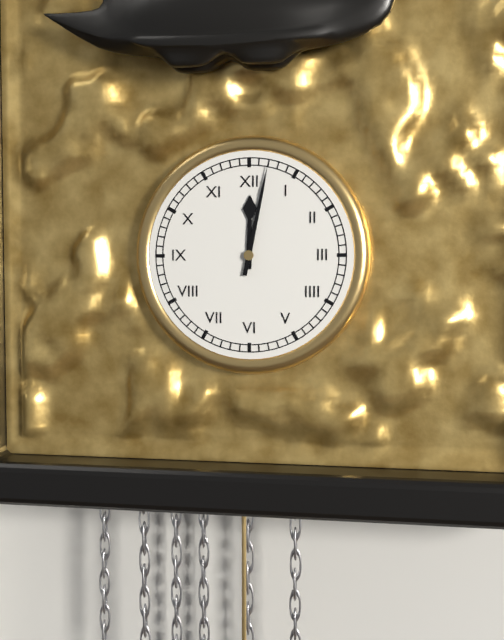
12:02
